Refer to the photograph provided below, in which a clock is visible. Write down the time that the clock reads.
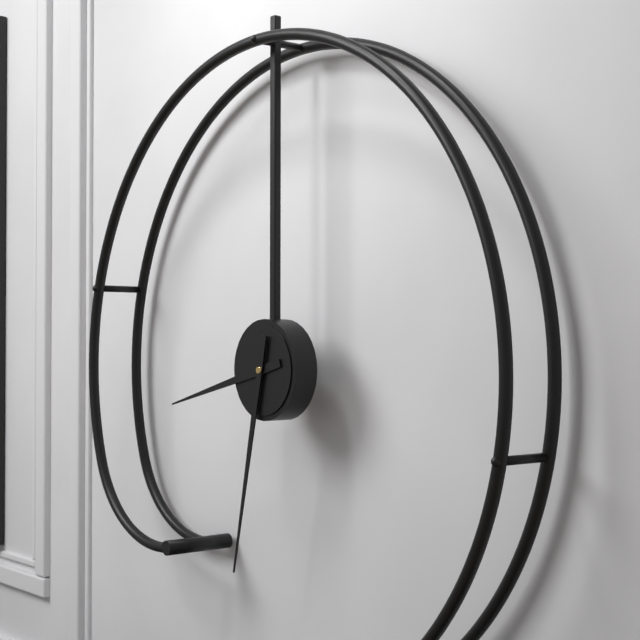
8:32
